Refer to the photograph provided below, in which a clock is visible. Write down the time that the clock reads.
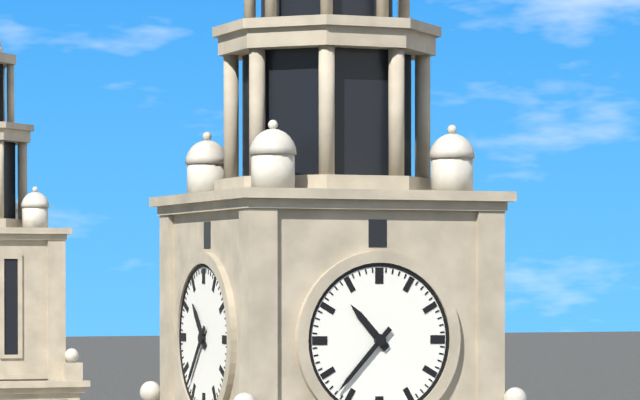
10:37
